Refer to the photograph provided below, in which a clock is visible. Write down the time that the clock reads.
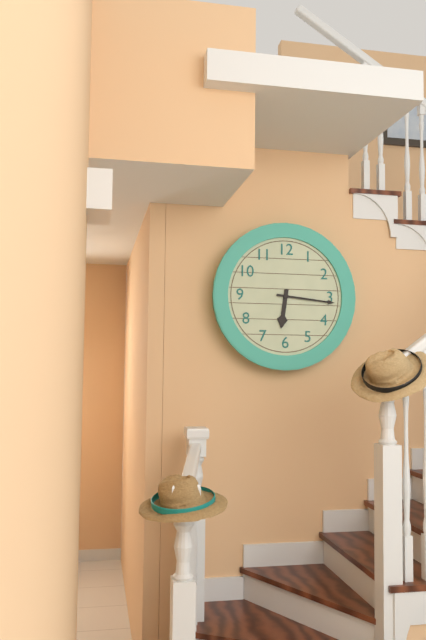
6:16
